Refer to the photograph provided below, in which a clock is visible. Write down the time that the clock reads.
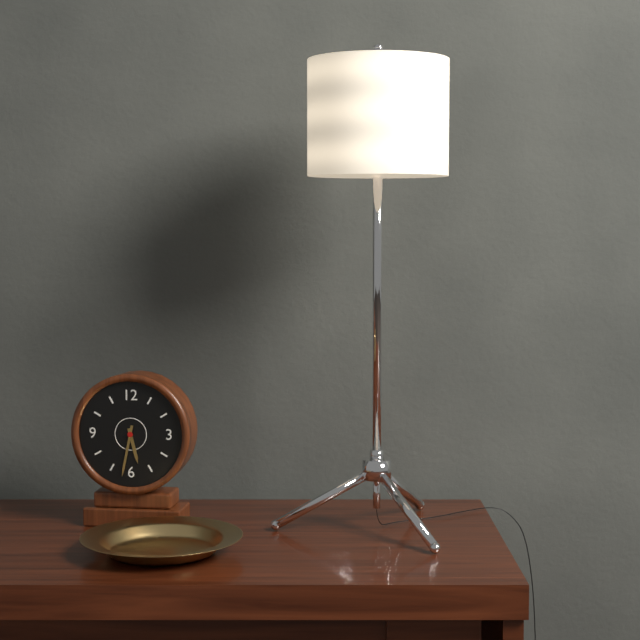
5:32
